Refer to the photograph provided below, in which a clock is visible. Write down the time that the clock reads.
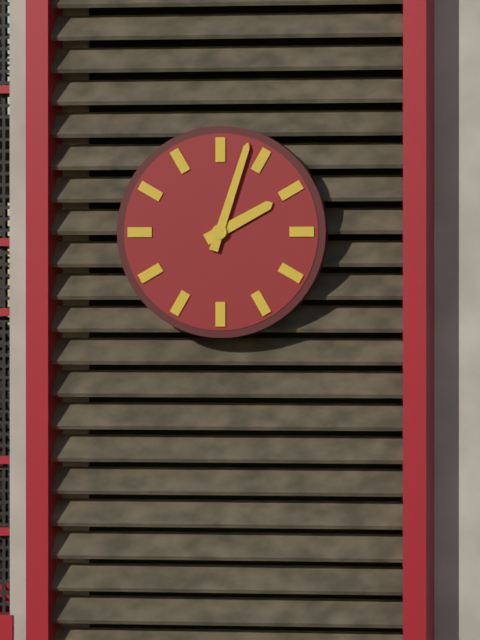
2:03
